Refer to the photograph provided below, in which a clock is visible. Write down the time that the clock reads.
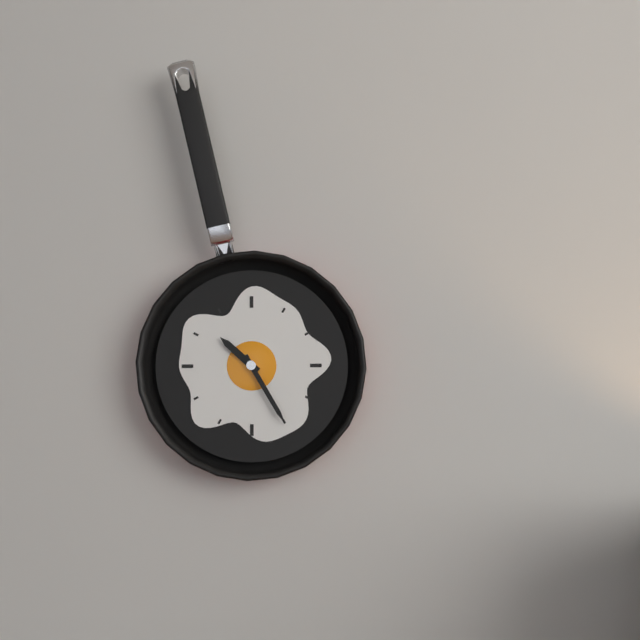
10:25
